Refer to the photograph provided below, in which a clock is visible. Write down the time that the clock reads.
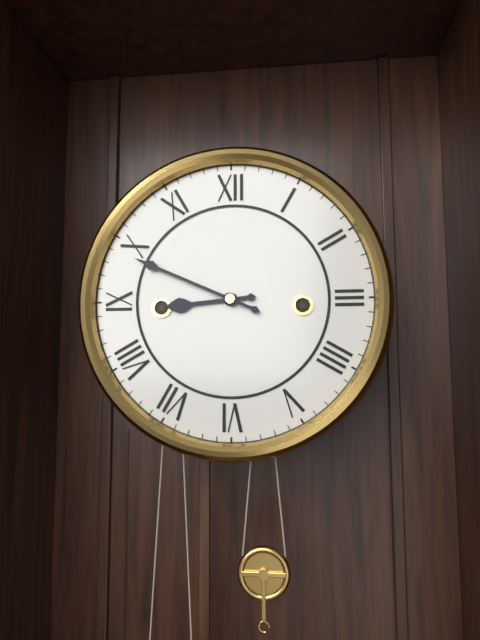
8:49
